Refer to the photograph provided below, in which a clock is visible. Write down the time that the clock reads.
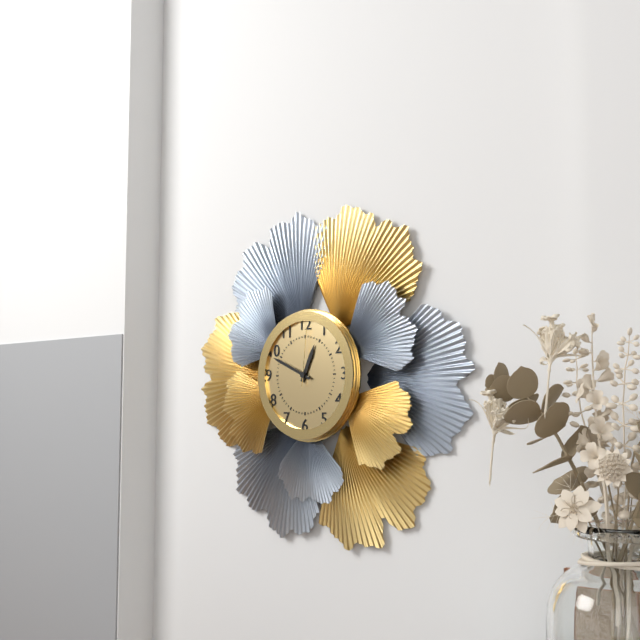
12:49:01
